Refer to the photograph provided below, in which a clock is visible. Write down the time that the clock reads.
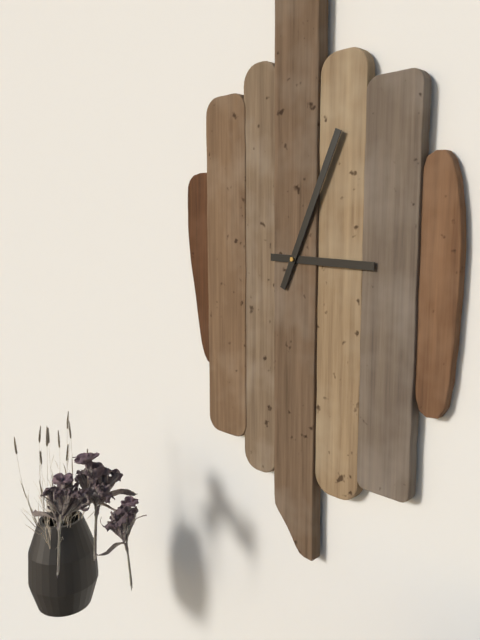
3:04
